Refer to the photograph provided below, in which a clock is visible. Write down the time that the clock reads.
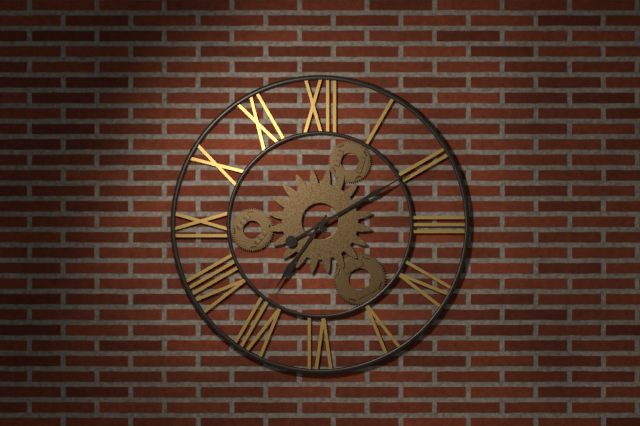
7:10
